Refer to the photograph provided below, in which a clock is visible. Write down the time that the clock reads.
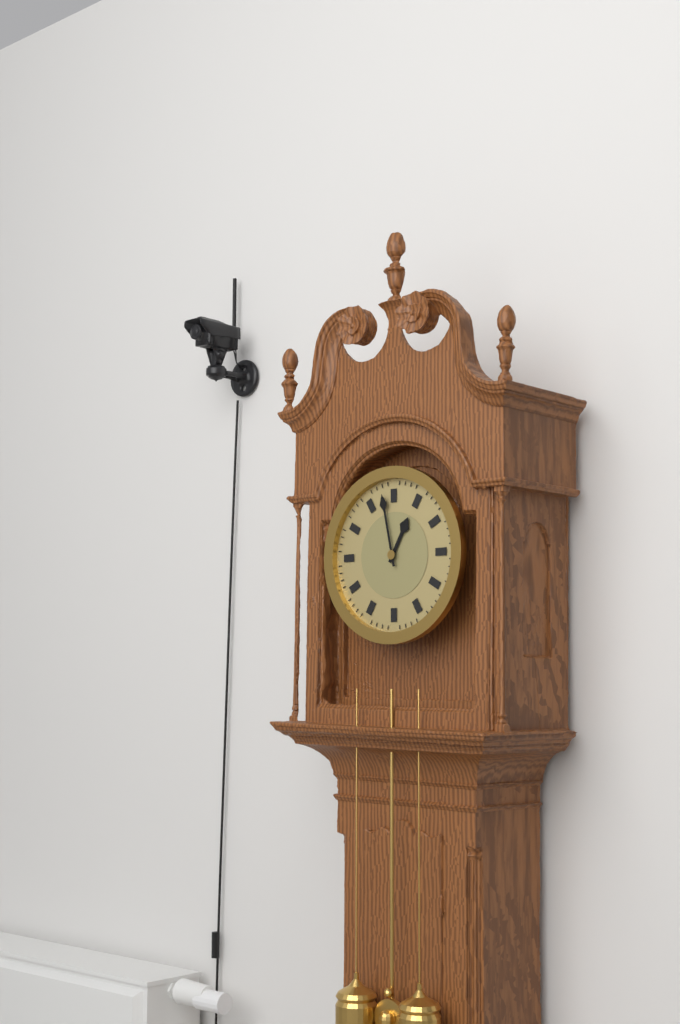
12:58
